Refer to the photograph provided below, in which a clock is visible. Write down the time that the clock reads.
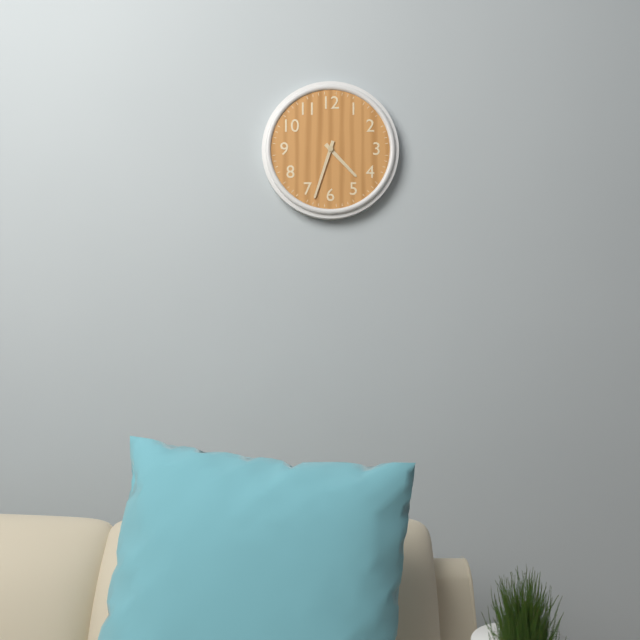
4:33
